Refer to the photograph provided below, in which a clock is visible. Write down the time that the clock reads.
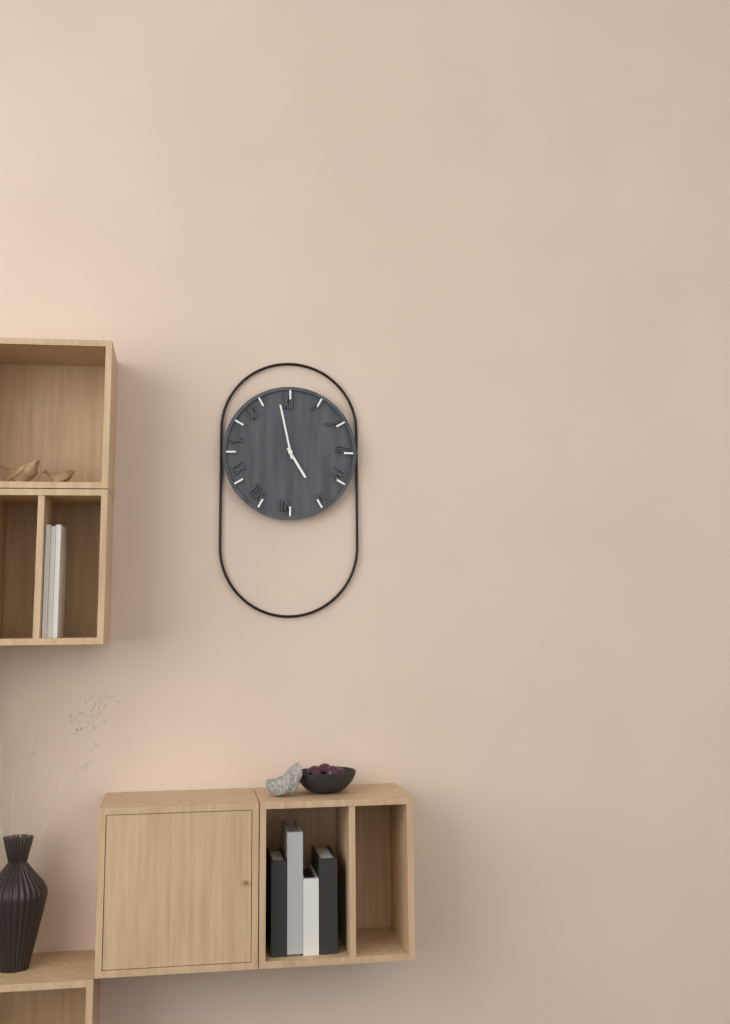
4:58
